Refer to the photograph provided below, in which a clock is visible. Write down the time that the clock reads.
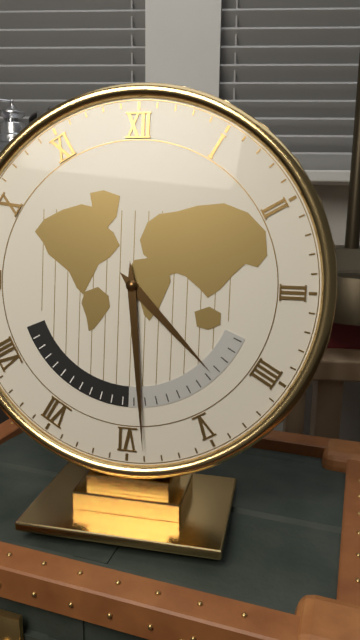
4:29
